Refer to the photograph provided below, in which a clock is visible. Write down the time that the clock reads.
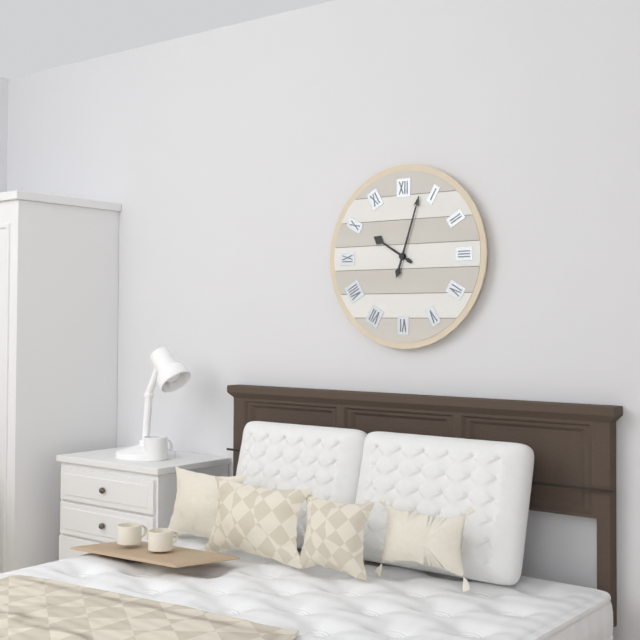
10:03
